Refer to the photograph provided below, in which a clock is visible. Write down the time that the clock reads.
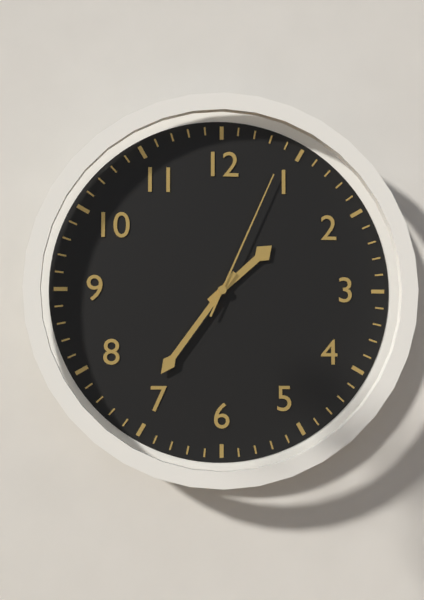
1:36:04
